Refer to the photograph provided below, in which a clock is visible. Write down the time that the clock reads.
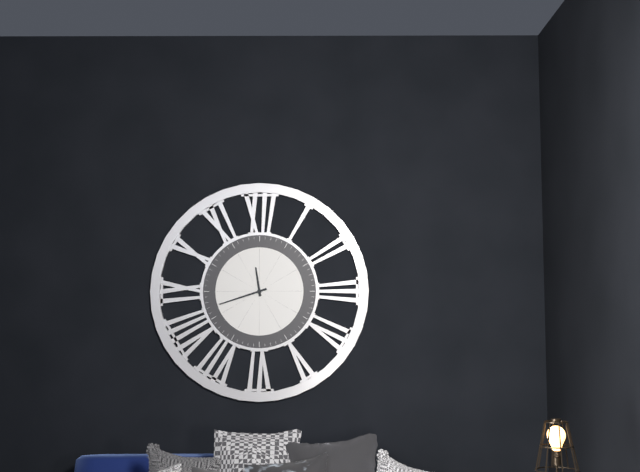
11:42
